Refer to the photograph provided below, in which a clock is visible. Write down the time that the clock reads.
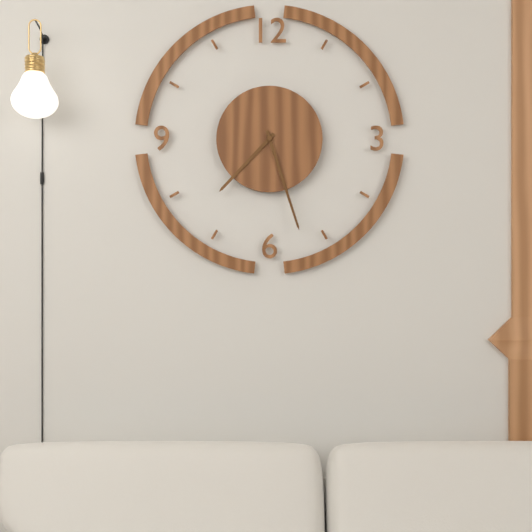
7:27
